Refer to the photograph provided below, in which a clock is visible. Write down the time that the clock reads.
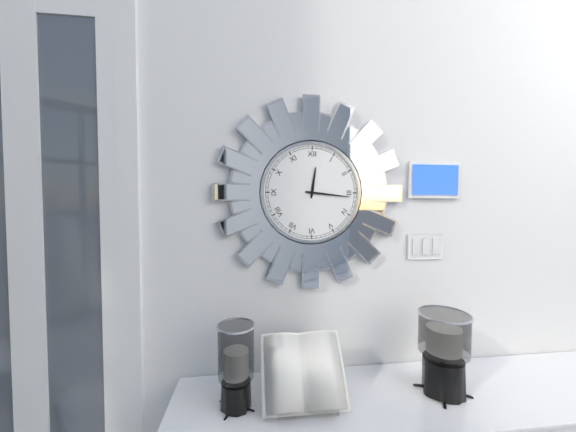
12:16
